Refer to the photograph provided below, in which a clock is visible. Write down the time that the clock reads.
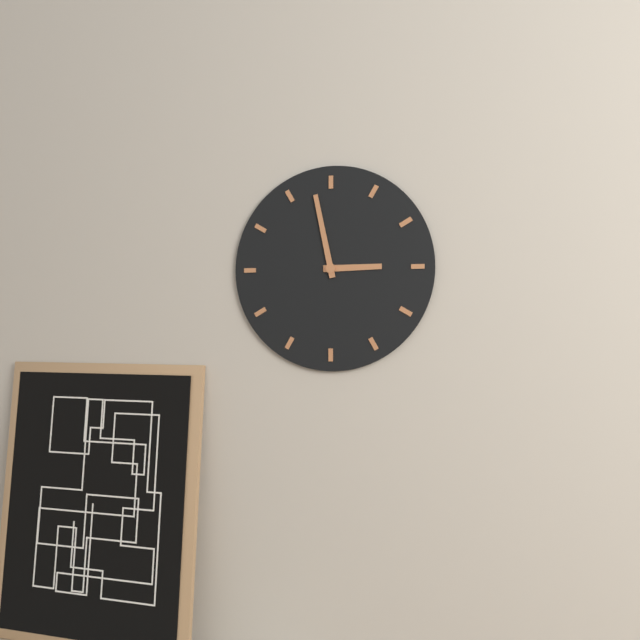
2:58
